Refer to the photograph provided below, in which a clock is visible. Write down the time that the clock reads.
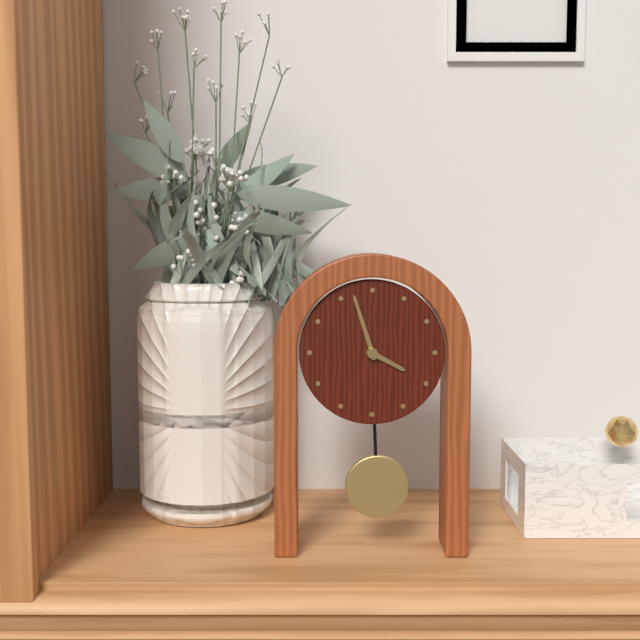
3:57
